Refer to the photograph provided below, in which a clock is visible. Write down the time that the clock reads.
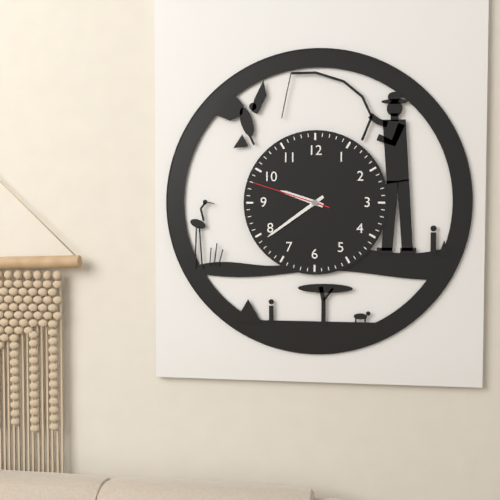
9:39:48
